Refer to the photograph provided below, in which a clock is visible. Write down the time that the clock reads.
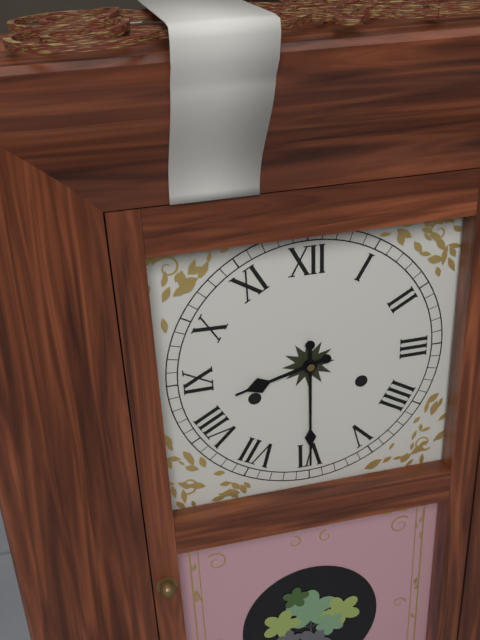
8:30
